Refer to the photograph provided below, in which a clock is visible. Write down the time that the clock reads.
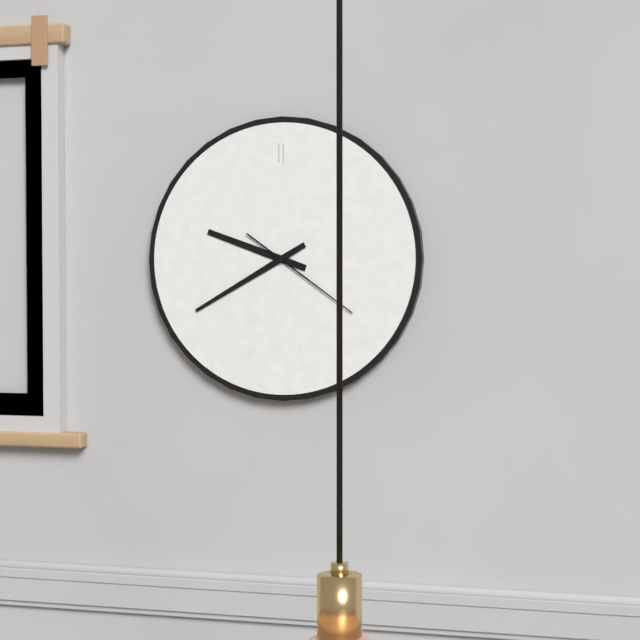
9:40:21
